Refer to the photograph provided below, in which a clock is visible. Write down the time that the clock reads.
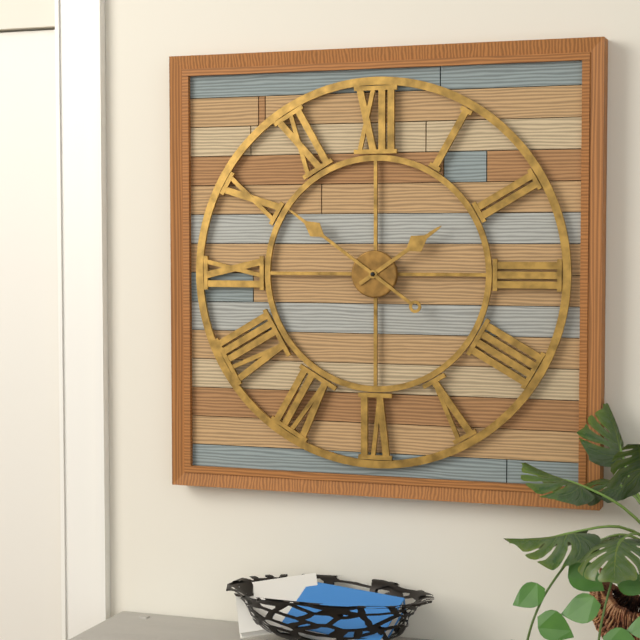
1:51
